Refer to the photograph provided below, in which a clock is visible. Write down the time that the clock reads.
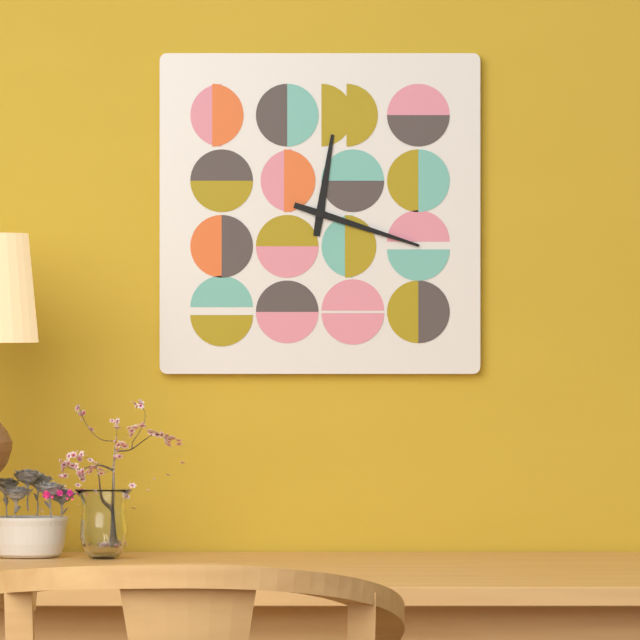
12:18
